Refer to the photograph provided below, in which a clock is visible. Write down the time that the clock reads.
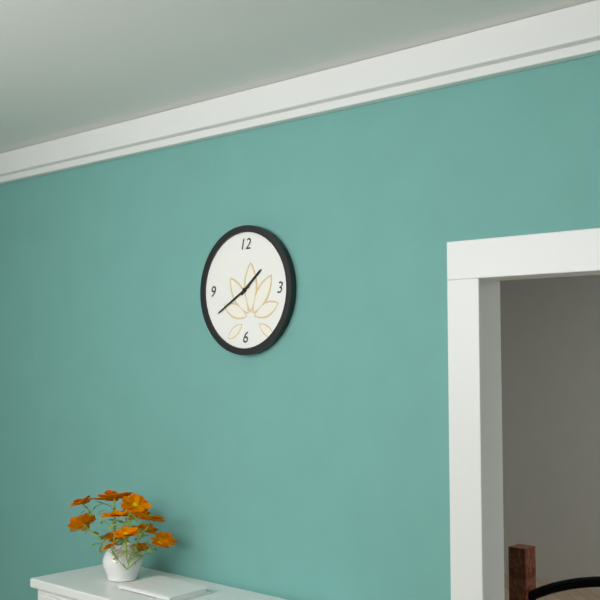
1:40
